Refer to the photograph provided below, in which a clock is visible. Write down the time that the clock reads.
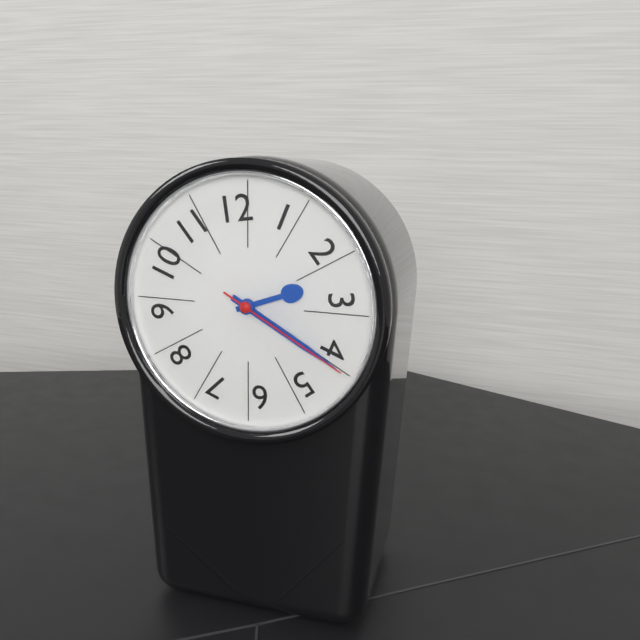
2:20:20
